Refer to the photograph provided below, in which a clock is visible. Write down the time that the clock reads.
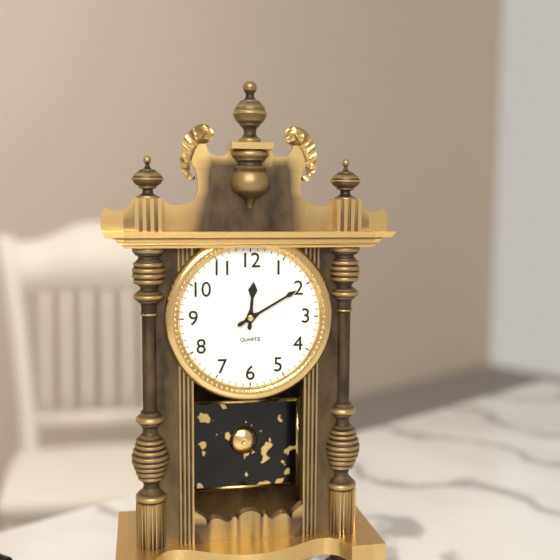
12:10
